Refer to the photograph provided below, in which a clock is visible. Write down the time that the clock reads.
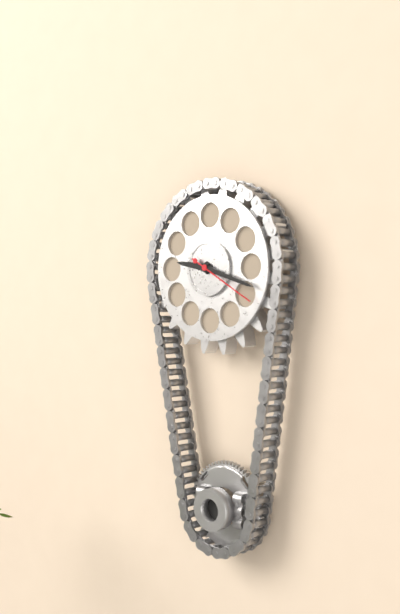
9:18
